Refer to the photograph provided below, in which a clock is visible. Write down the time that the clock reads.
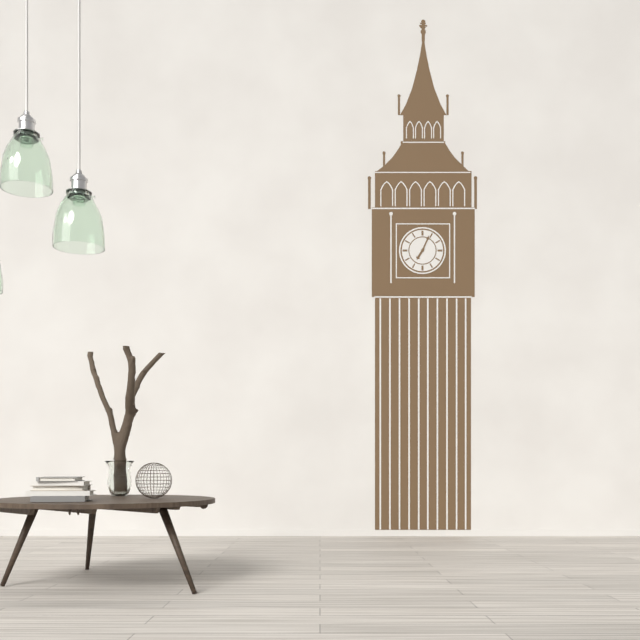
7:04
